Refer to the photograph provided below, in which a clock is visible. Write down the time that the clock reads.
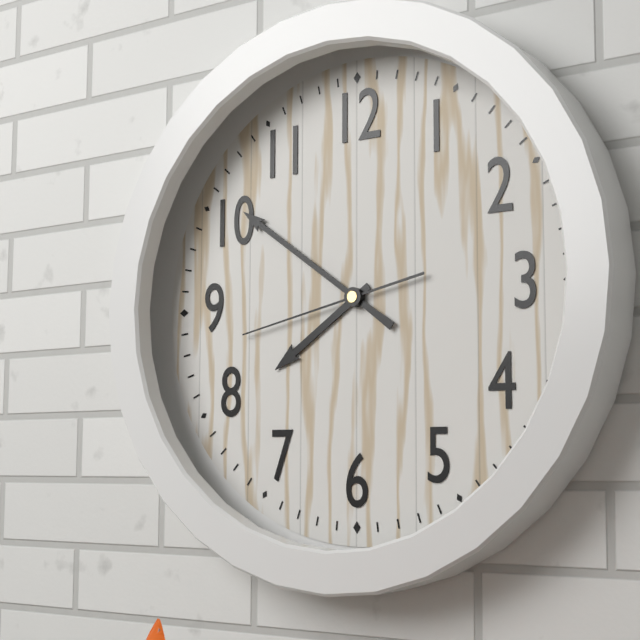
7:51:43
